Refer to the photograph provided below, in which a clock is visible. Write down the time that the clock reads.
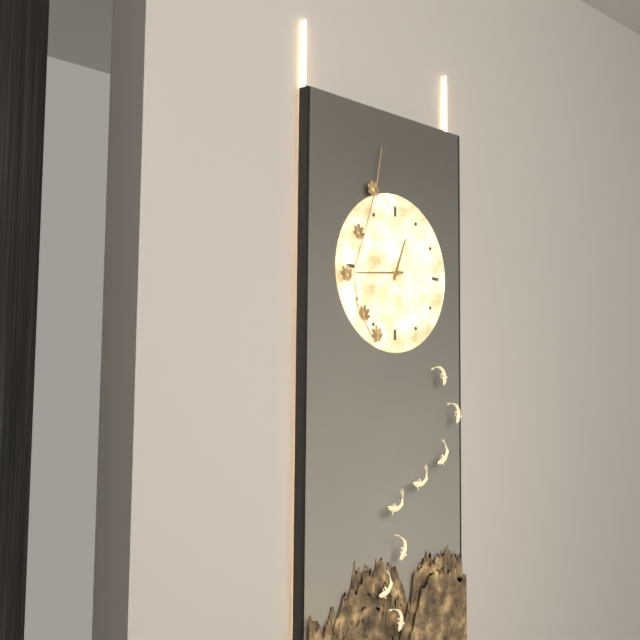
12:44
